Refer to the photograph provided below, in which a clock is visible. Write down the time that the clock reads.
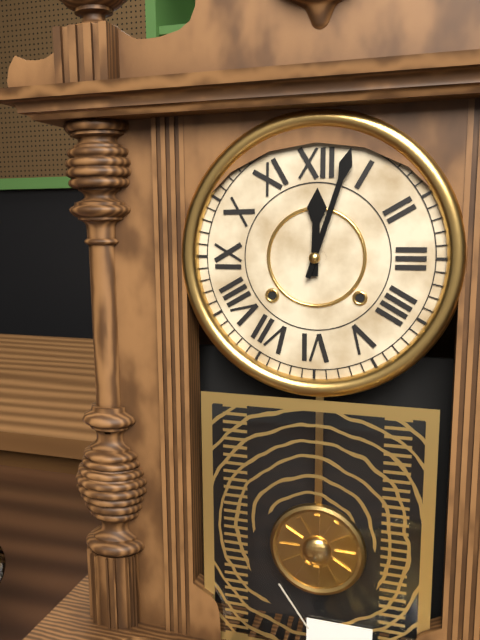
12:03
